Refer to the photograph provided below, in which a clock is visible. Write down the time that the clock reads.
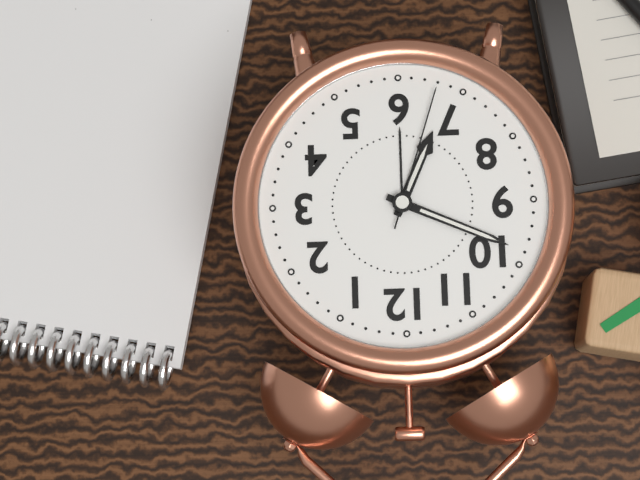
6:49:33
